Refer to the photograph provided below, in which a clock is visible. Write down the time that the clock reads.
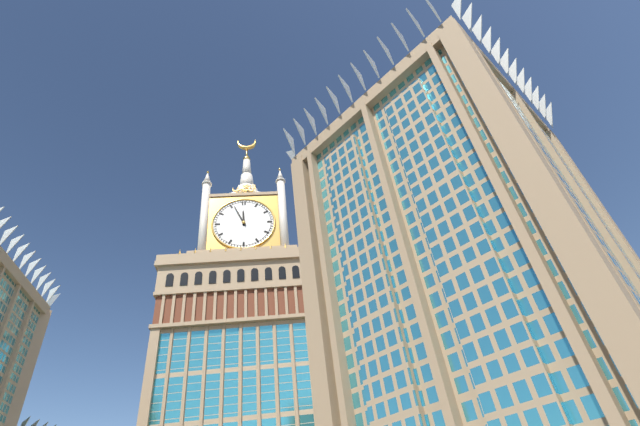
11:56
